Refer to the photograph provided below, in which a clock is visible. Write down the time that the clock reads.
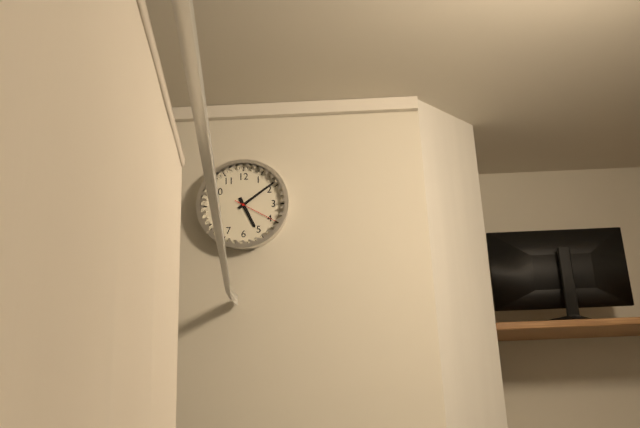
5:09
